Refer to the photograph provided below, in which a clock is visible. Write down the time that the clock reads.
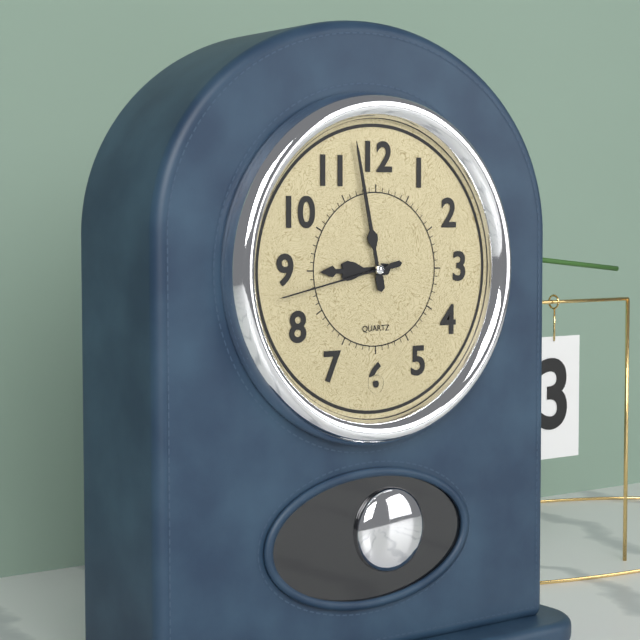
8:58:43
